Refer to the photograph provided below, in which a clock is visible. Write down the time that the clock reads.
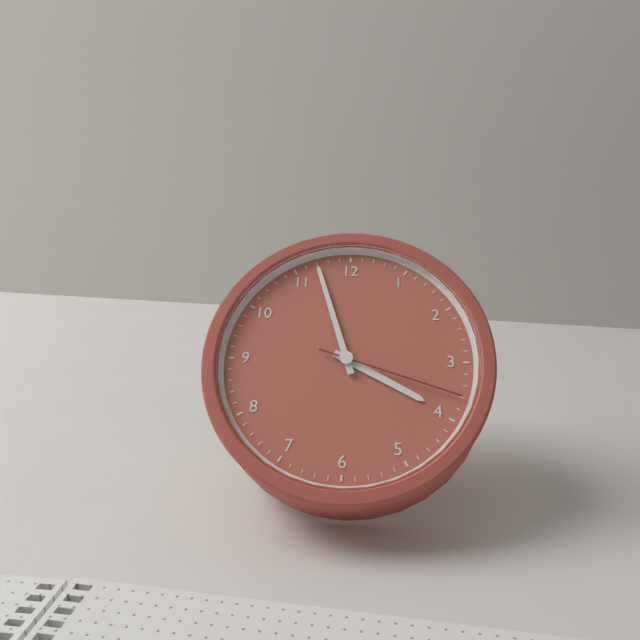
3:57:18
